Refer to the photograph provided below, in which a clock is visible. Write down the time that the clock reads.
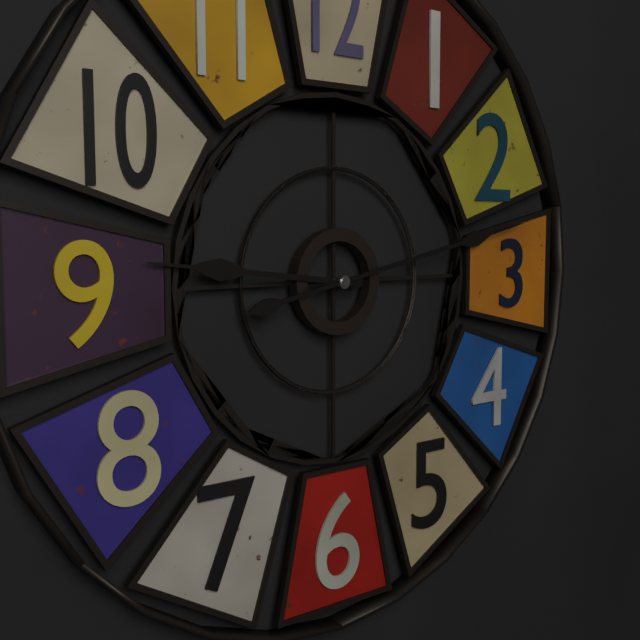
9:13
